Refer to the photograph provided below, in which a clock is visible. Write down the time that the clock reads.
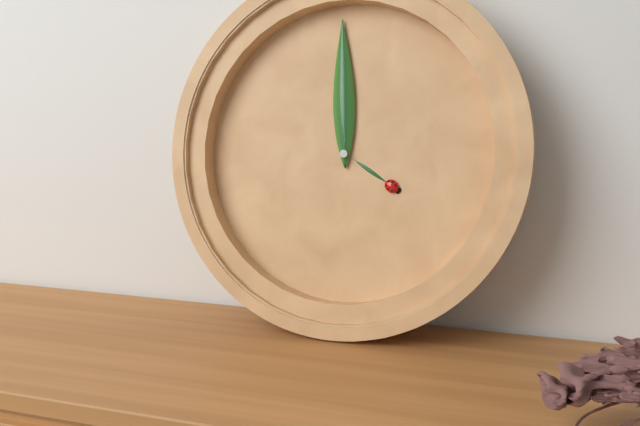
3:59
